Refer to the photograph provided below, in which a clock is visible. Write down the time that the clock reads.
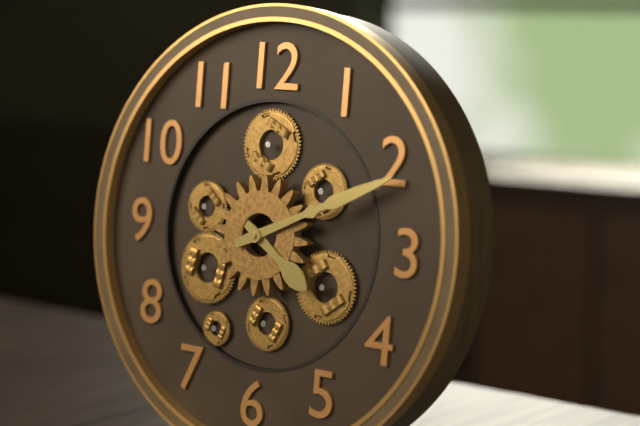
4:11
